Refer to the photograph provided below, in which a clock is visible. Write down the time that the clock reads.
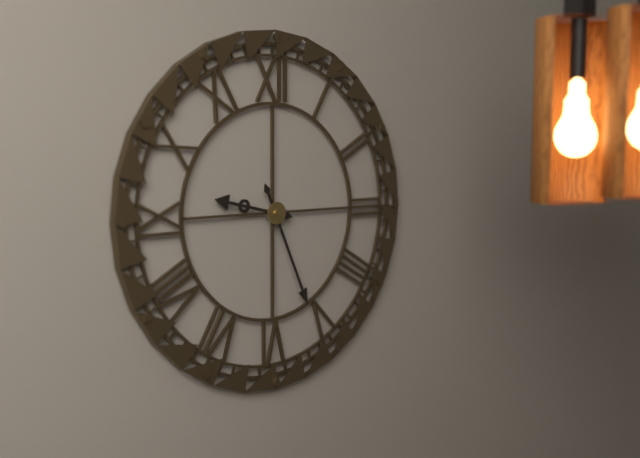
9:26
